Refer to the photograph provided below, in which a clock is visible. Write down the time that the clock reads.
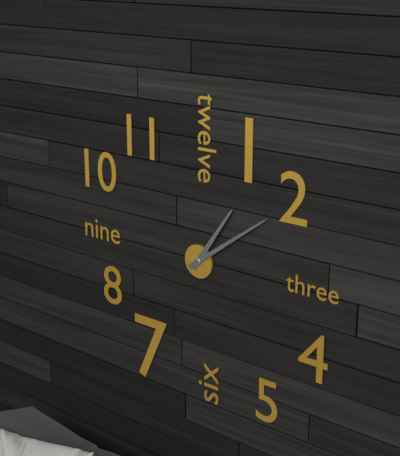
1:09
